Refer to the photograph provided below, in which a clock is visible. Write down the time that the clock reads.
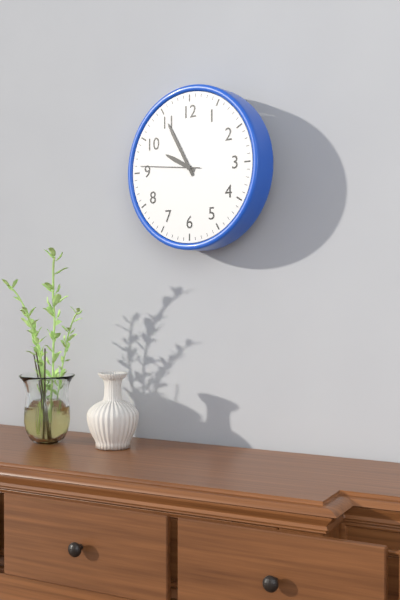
9:55:46
